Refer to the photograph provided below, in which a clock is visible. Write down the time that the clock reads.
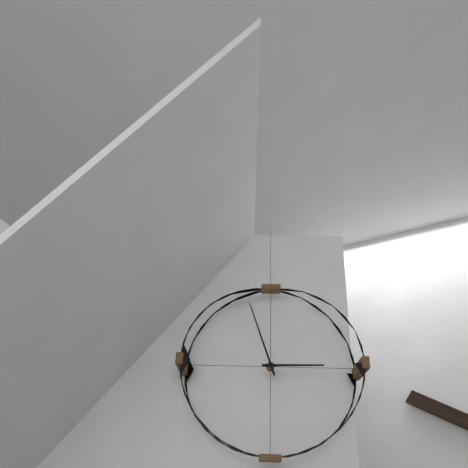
2:57
